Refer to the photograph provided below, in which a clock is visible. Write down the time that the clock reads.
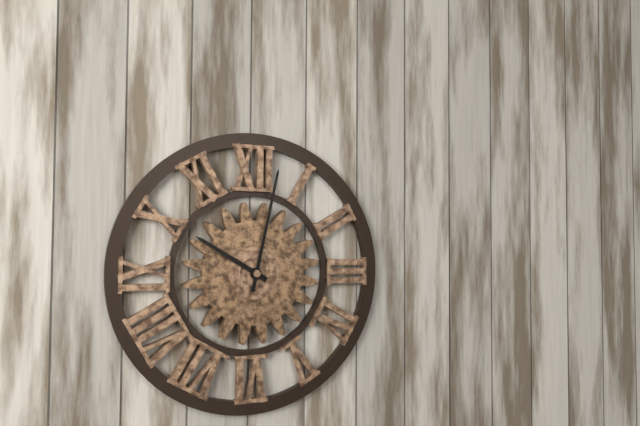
10:02
